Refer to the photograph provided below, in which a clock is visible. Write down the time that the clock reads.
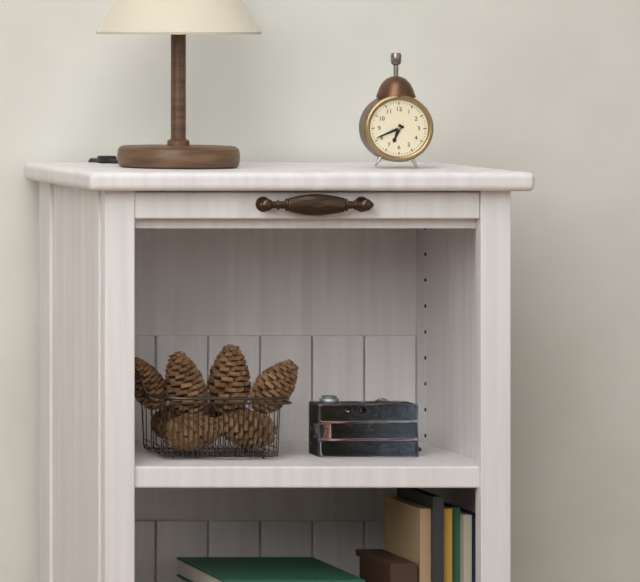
6:41
